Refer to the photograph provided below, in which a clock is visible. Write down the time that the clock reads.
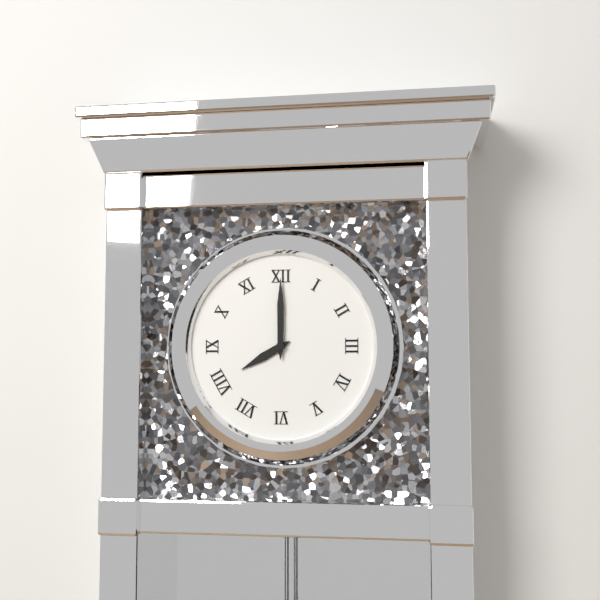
8:00
